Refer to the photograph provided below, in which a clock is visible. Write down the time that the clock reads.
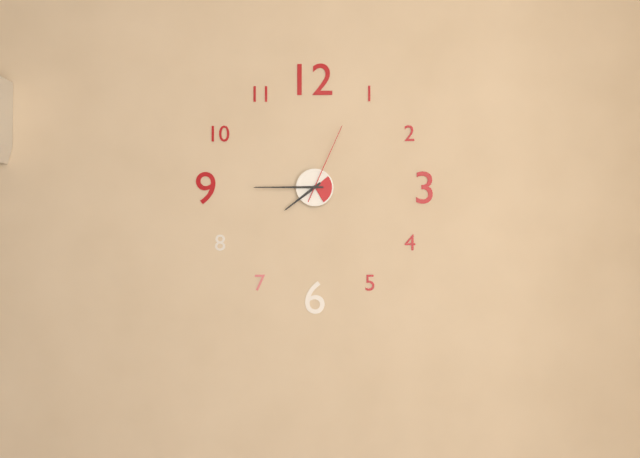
7:45:04
